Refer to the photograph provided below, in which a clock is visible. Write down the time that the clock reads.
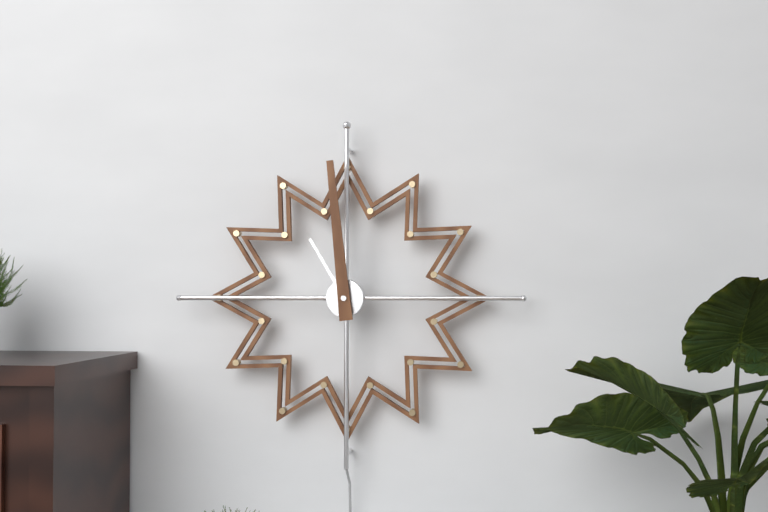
10:59
